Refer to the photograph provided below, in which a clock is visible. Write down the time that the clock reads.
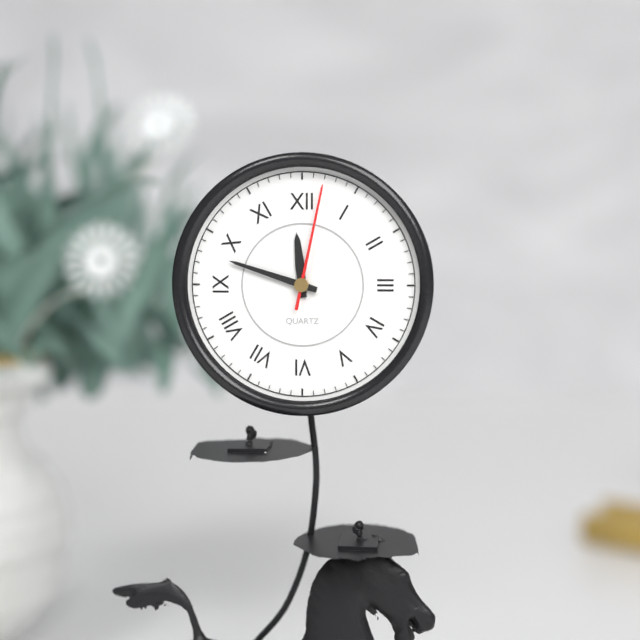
11:48:02
